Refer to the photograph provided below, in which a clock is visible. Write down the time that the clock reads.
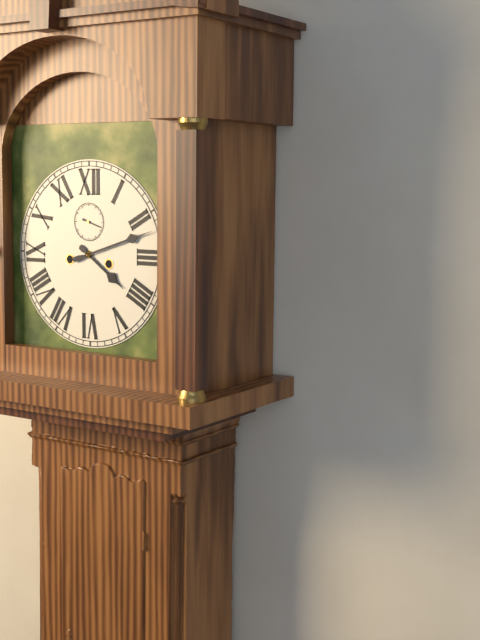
4:12
